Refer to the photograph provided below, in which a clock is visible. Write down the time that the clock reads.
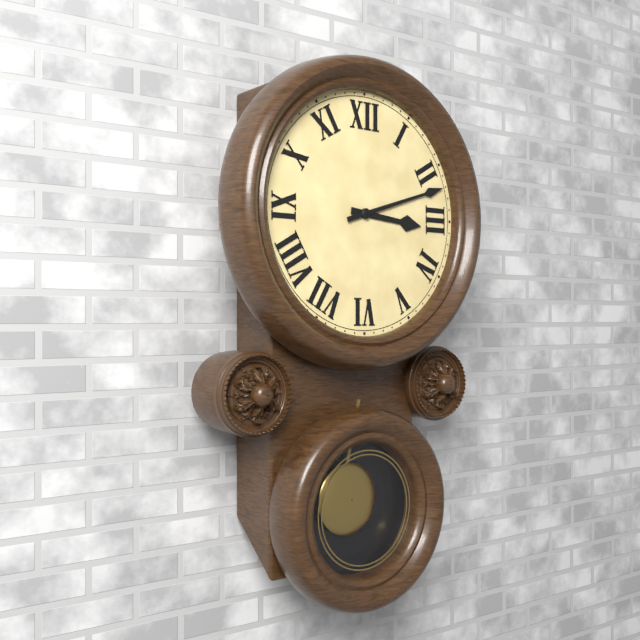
3:12
